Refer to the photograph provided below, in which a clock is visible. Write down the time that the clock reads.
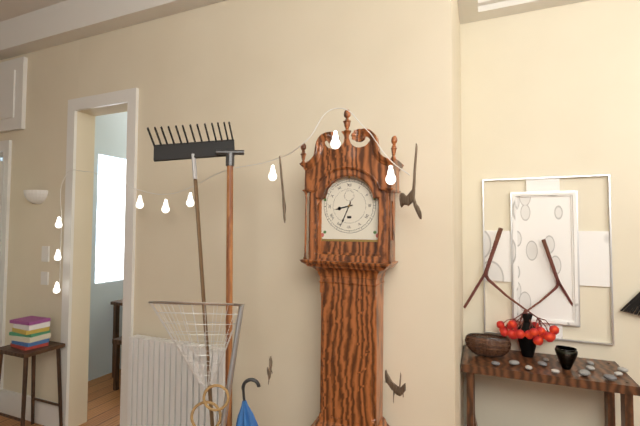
8:34
